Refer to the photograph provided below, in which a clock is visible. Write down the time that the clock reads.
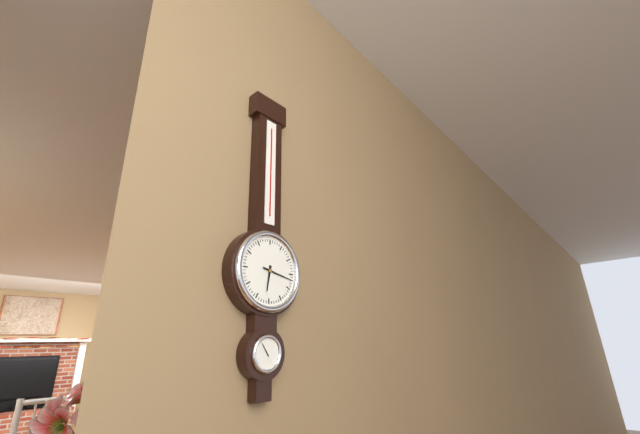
6:17
